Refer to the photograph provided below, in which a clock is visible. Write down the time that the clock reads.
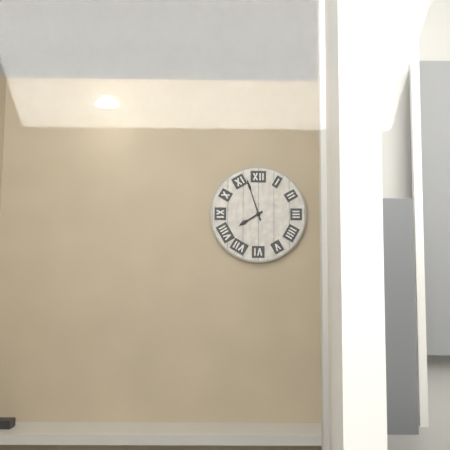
7:57
